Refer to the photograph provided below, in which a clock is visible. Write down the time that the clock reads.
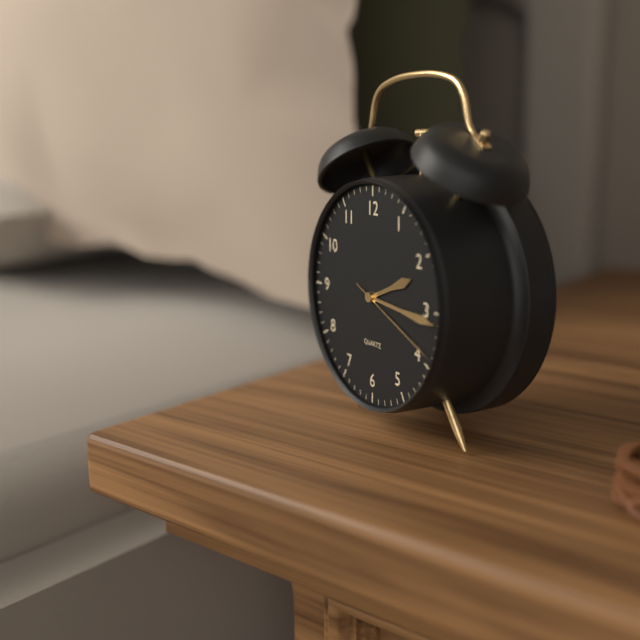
2:16:19
